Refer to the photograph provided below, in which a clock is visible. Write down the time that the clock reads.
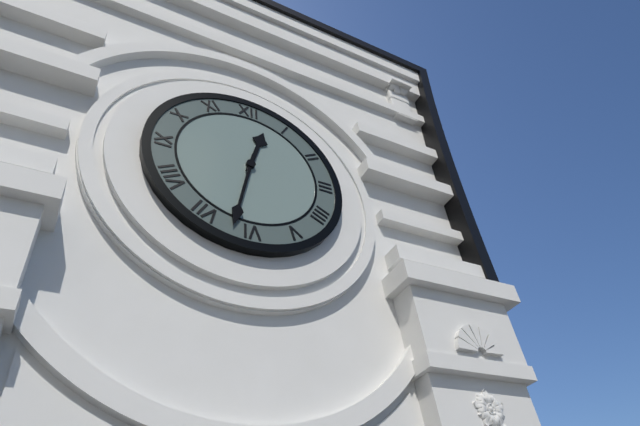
12:32
